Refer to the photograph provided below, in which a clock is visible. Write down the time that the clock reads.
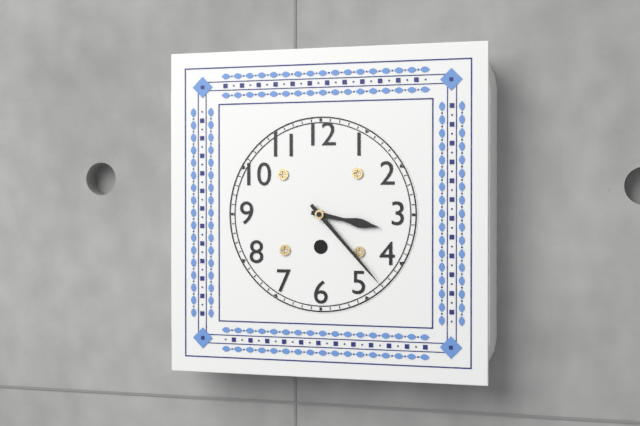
3:23
